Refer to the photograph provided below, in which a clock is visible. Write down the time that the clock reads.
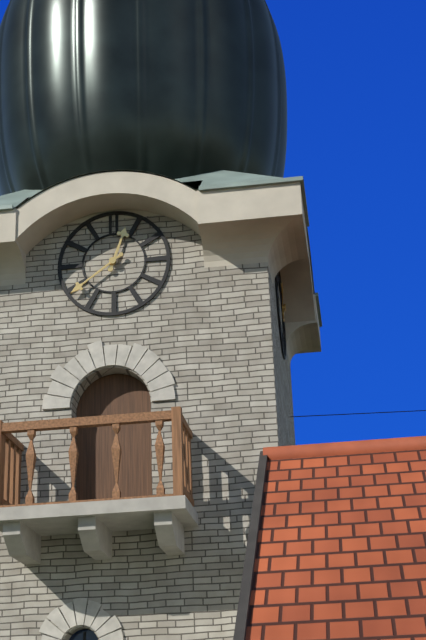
12:39
